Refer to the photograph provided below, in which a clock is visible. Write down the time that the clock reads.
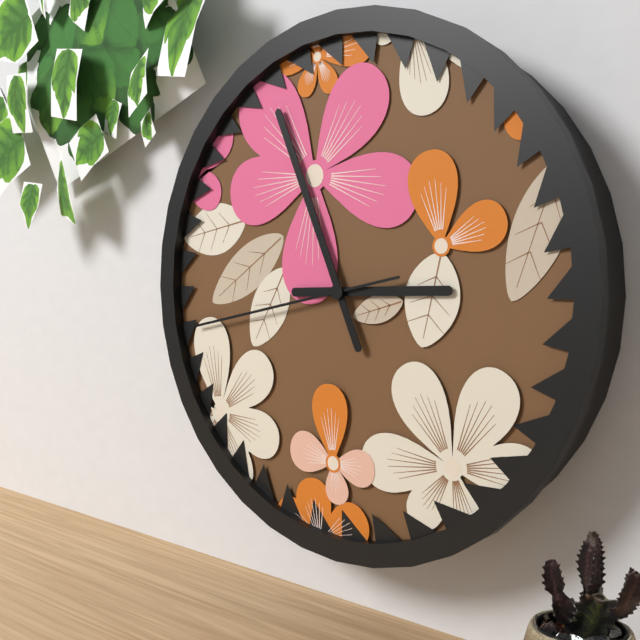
2:56:43
